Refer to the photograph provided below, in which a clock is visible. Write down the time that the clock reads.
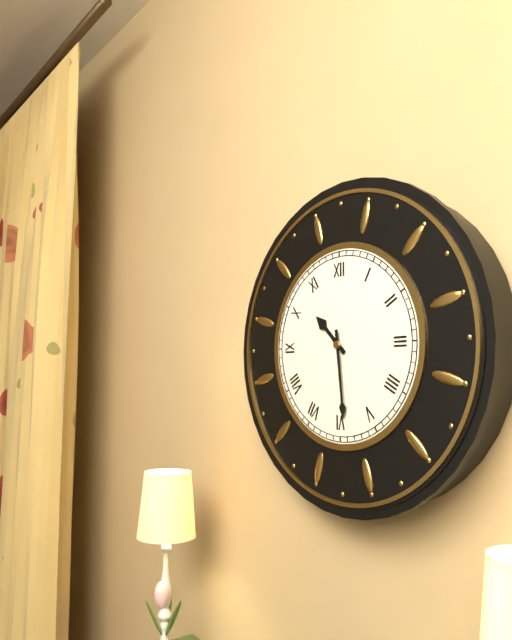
10:29
